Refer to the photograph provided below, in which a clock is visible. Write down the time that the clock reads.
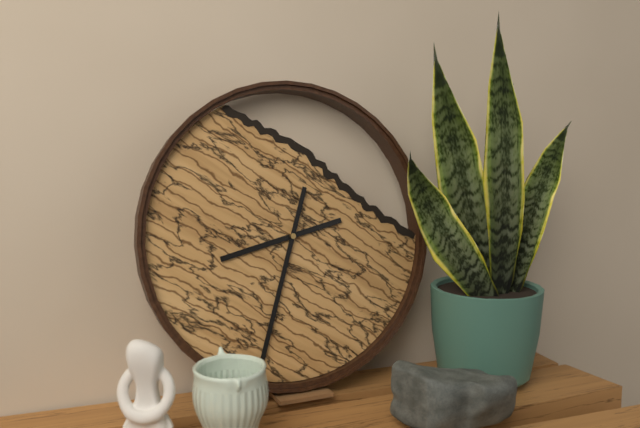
8:33
